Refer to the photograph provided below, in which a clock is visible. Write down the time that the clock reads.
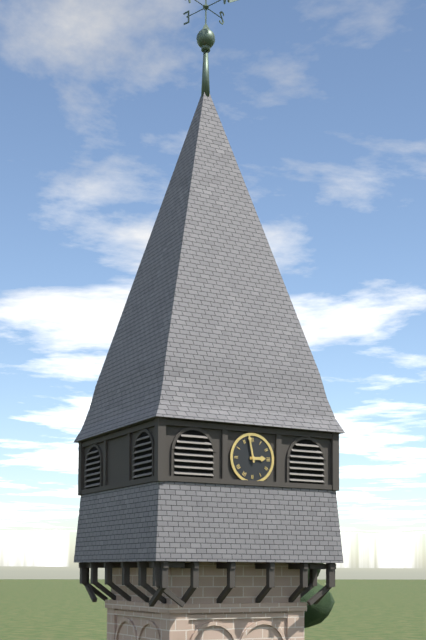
2:58
